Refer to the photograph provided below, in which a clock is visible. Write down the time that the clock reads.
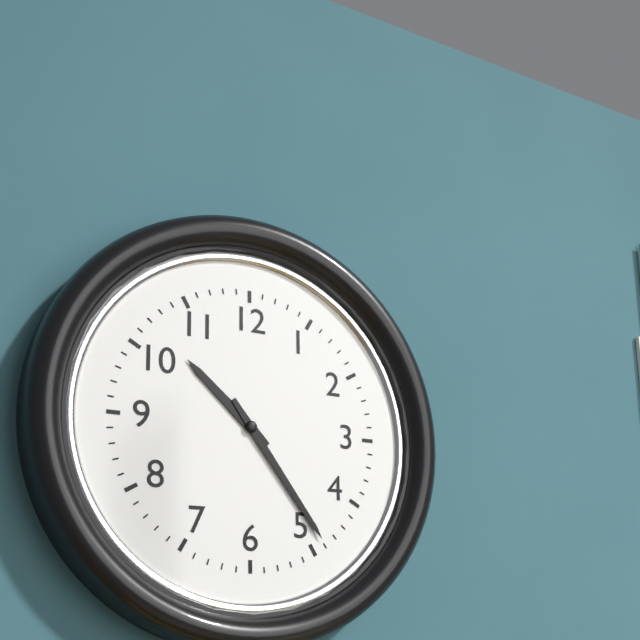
10:24
